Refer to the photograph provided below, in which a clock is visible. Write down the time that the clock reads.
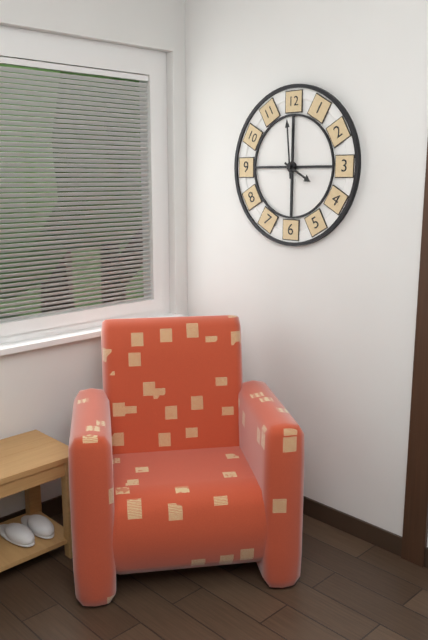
3:59
